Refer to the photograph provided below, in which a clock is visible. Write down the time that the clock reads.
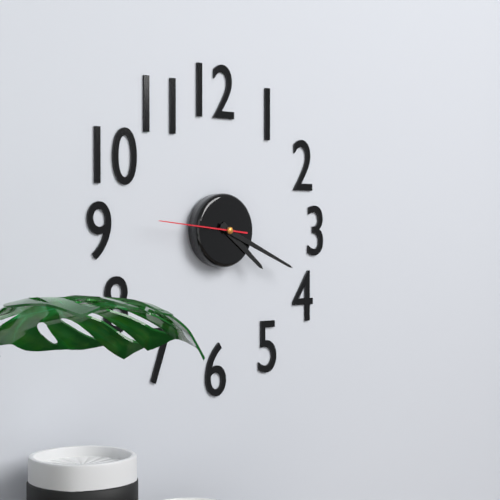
4:19:46
